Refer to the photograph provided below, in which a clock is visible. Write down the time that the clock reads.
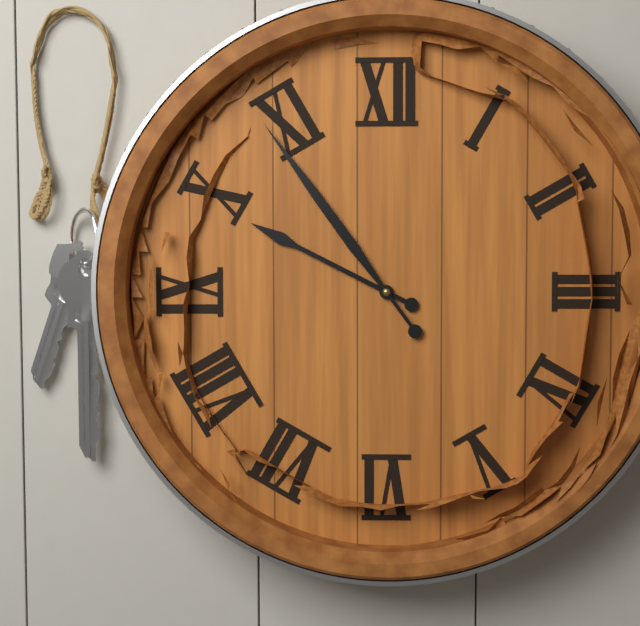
9:54
